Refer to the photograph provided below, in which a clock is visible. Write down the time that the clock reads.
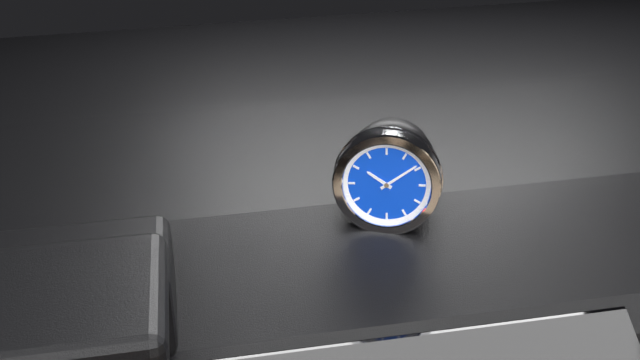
10:09
